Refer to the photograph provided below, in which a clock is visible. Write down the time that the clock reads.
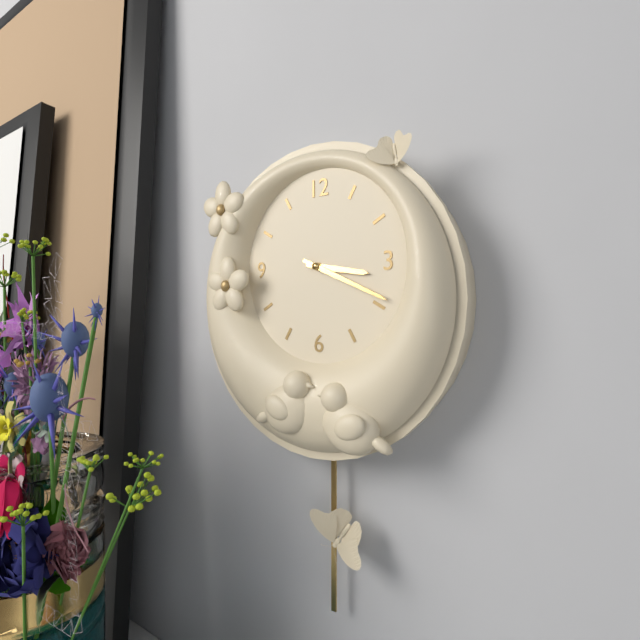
3:19
